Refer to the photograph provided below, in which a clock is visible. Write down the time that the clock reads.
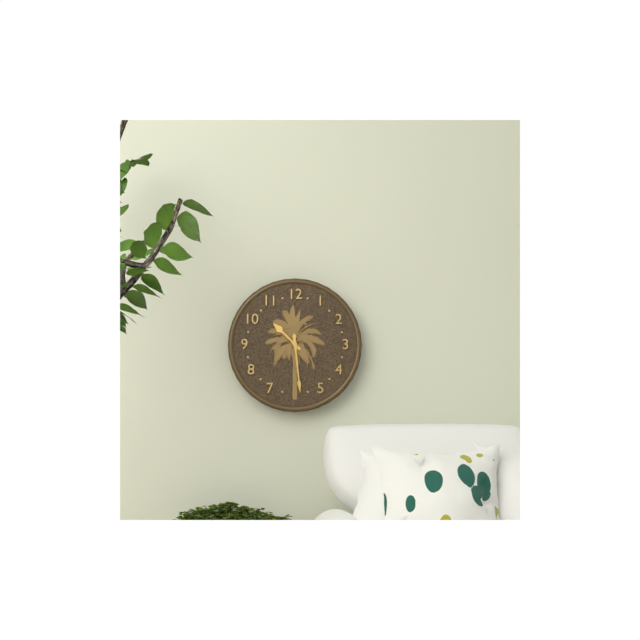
10:29
